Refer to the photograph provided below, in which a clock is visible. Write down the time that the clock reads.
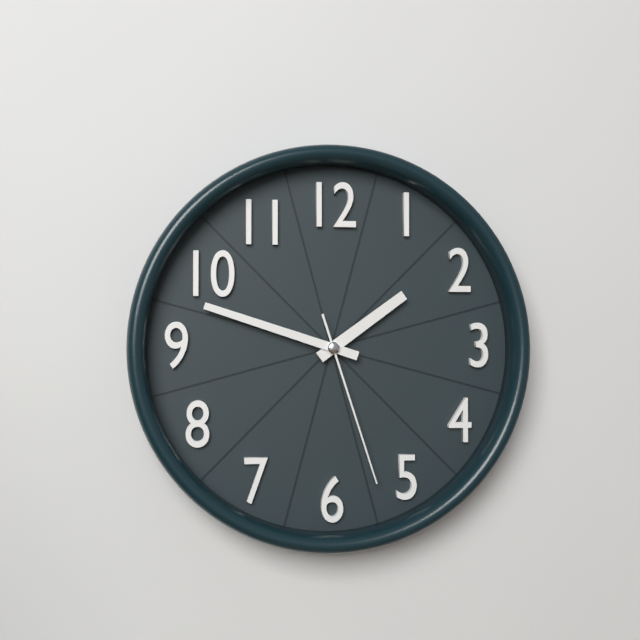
1:48:27
